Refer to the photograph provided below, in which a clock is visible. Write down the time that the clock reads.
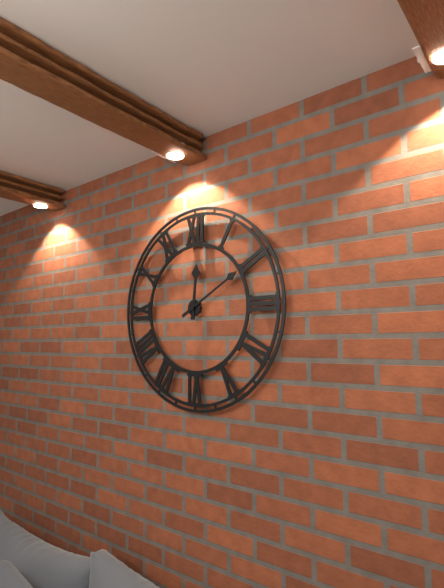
12:10
